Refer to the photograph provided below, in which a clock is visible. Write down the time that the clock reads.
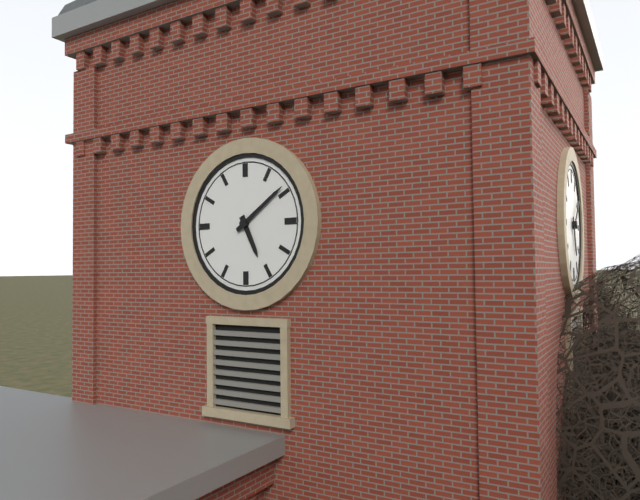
5:09
